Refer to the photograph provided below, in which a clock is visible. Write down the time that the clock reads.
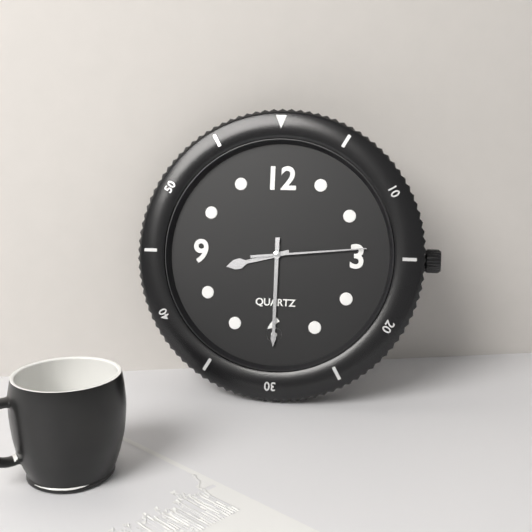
8:30:14
